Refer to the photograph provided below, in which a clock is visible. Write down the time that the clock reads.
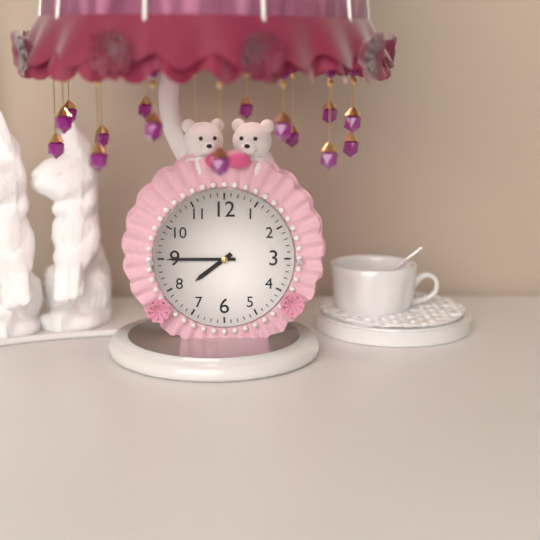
7:45
